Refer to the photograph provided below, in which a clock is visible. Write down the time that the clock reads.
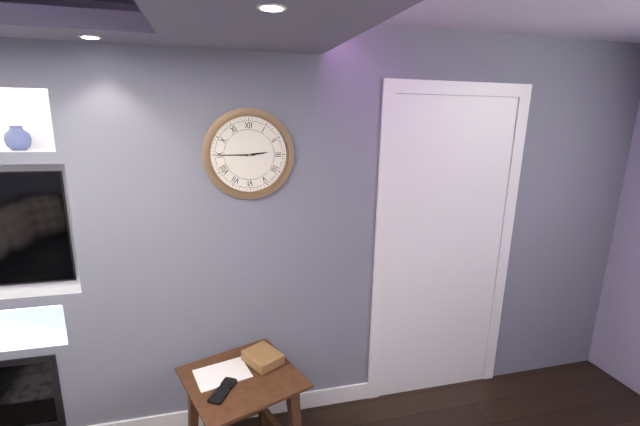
2:45
